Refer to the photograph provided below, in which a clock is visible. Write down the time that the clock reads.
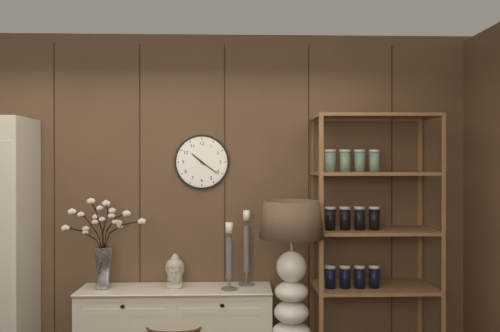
10:21
